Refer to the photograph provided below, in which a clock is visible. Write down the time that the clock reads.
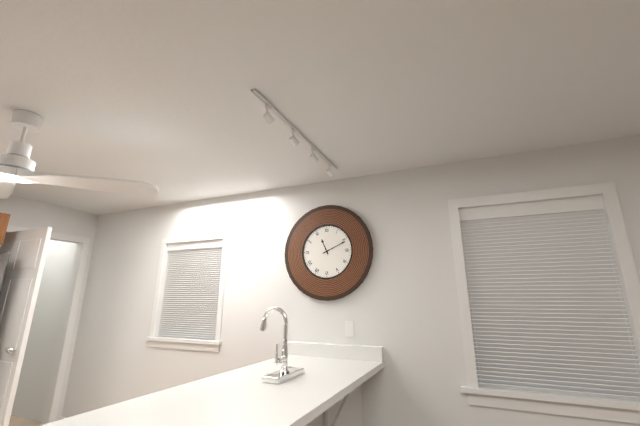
11:11
